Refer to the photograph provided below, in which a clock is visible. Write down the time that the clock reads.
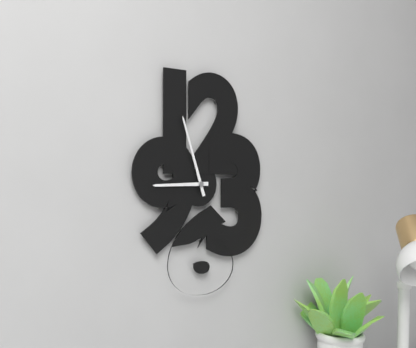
8:57
